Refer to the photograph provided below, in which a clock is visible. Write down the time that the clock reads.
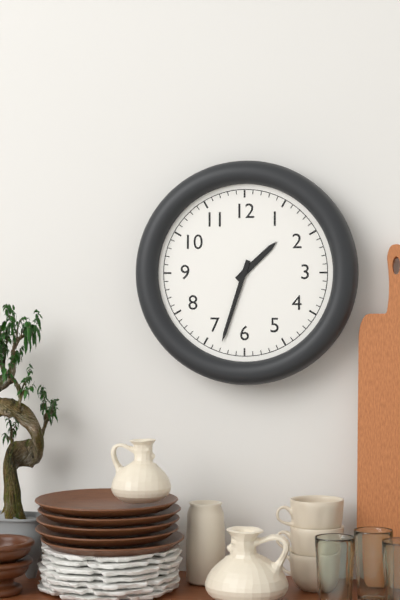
1:33
